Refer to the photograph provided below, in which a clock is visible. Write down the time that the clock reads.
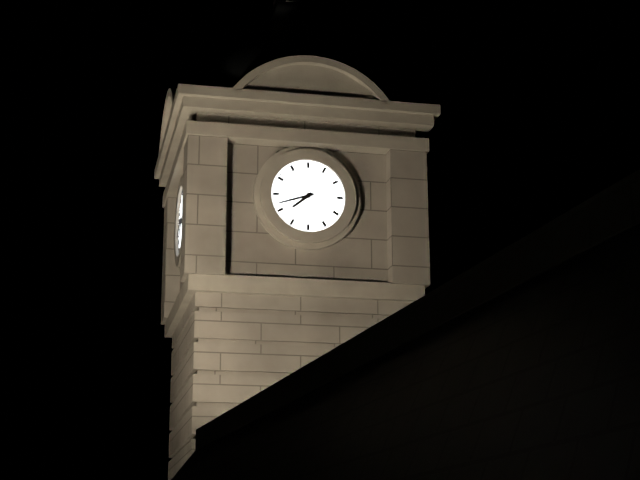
7:42
